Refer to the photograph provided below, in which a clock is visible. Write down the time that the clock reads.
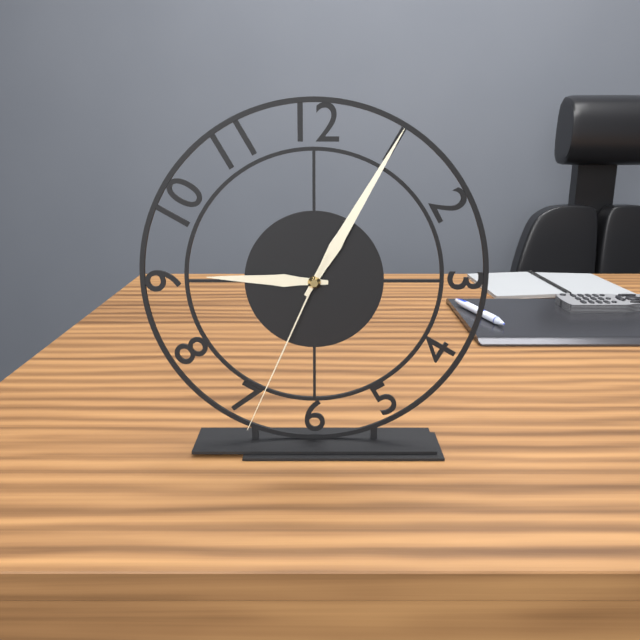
9:05:34
